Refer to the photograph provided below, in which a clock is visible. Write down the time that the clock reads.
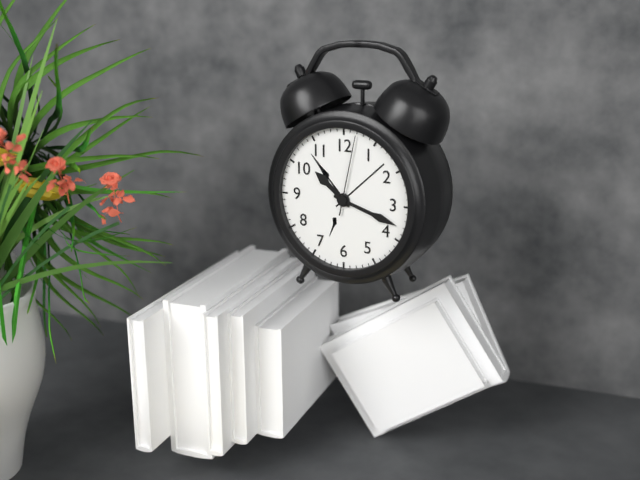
10:18:02
